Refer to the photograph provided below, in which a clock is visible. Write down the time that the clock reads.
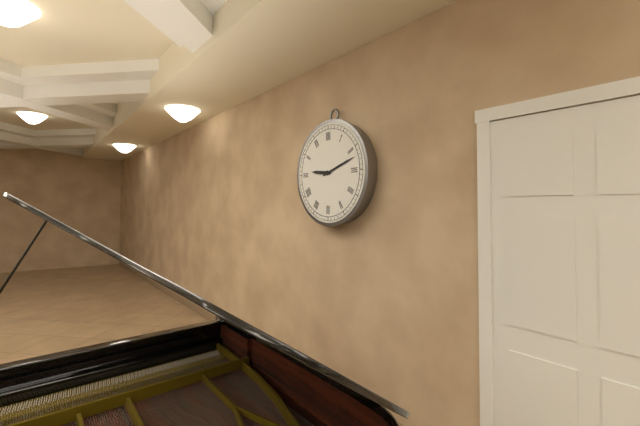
9:12
